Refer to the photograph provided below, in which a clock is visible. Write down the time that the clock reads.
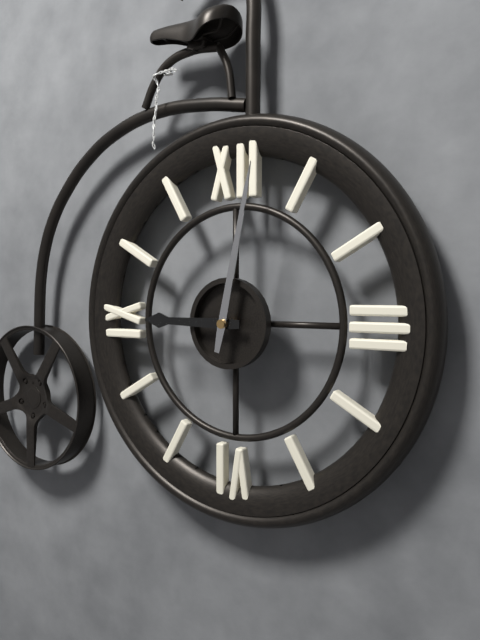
9:02
